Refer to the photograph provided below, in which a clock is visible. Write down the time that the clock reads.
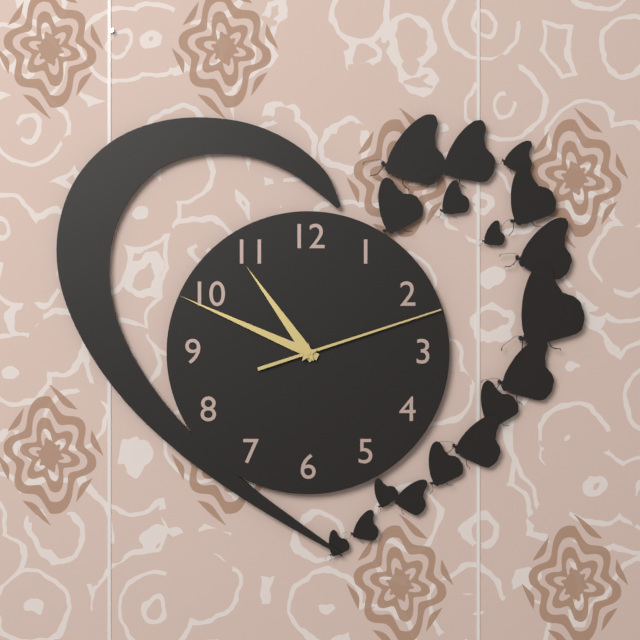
10:49:12
